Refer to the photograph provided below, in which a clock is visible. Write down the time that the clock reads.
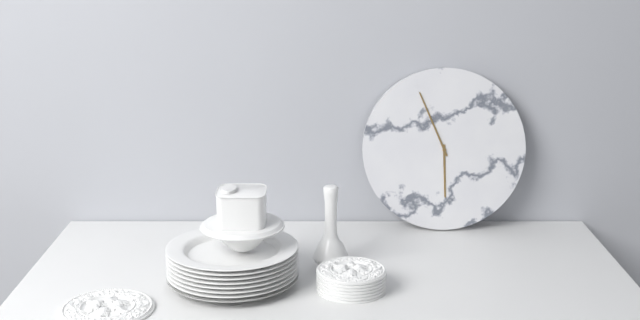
5:56
